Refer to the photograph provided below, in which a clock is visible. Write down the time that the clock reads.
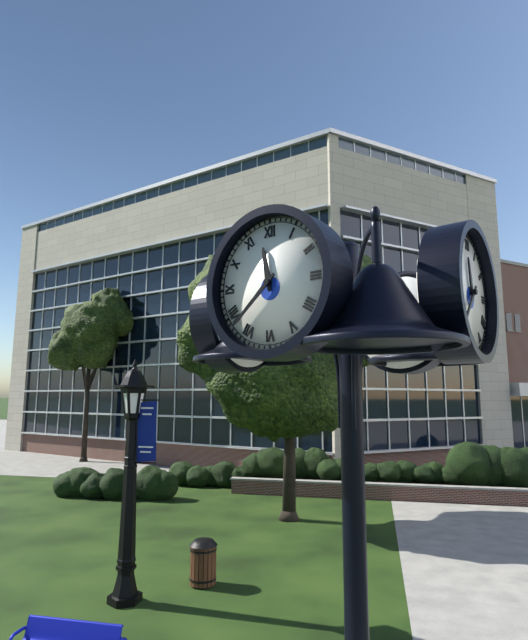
11:38
